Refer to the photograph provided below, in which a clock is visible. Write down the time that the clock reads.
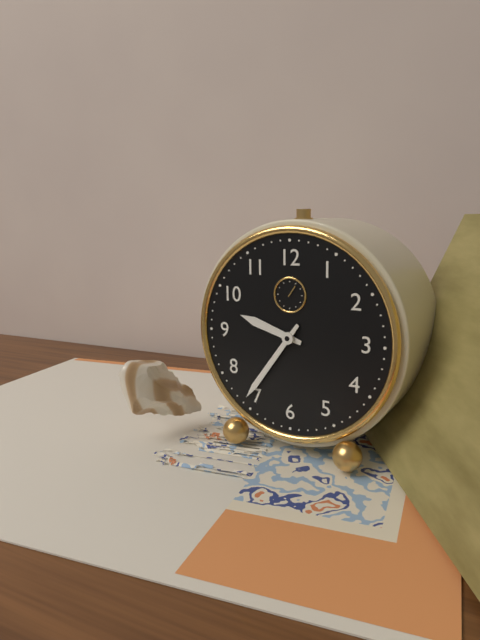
9:36
